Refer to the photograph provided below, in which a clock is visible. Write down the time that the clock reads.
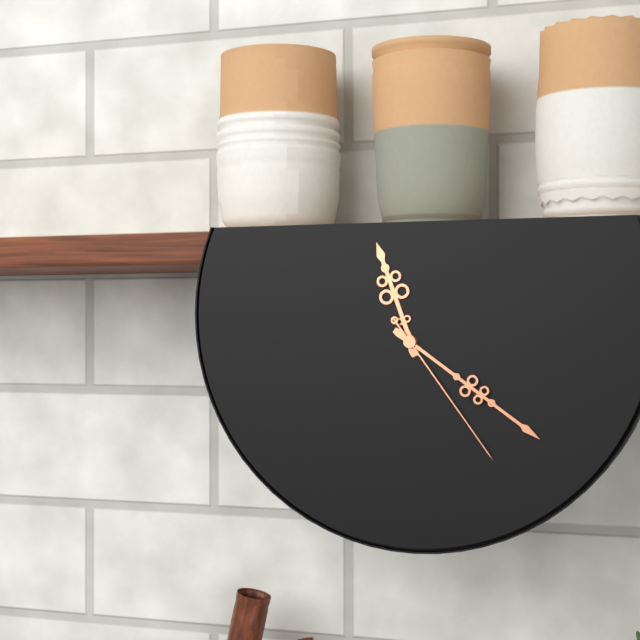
11:21:24
